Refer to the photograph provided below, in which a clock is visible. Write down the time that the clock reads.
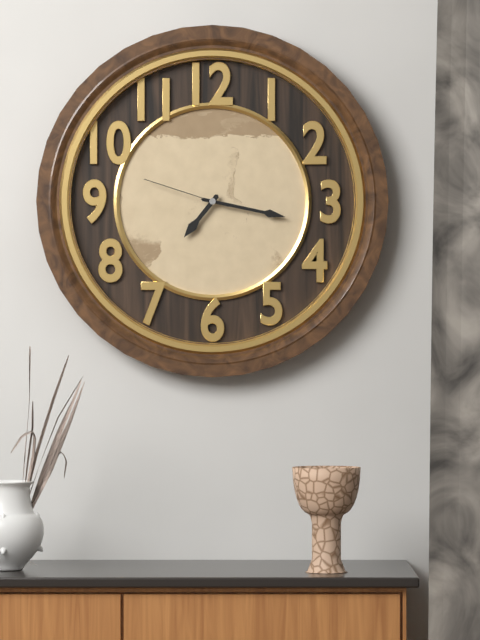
7:17:48
